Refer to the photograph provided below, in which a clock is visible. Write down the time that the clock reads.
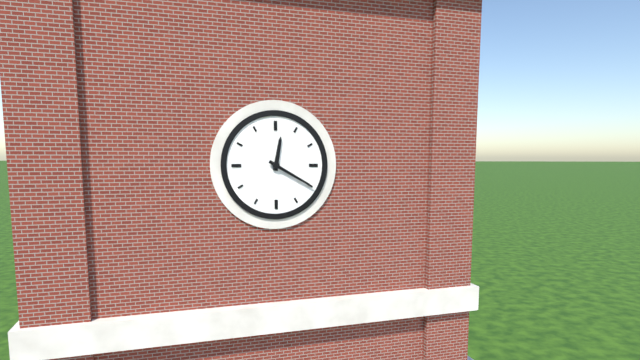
12:20
